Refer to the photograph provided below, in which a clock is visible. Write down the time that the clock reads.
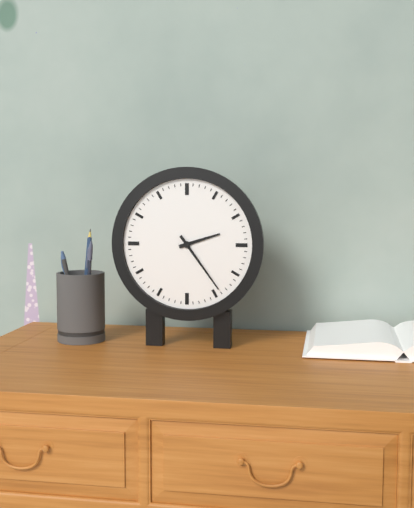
2:24
